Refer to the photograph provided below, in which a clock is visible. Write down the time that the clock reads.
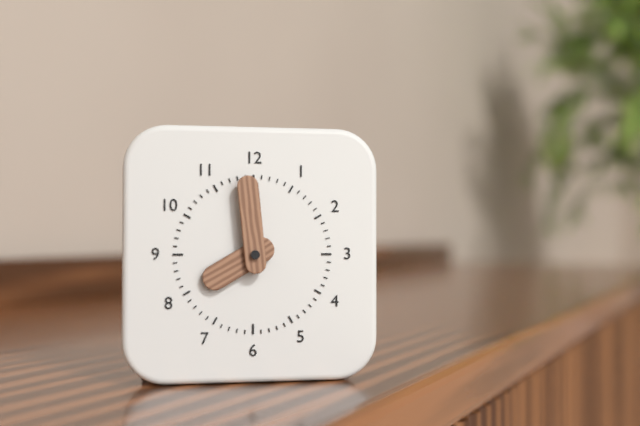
7:59
